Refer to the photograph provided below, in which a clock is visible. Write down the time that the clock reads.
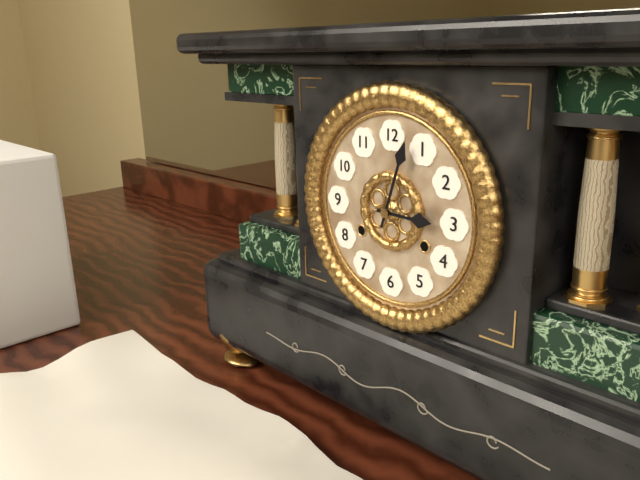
3:03
